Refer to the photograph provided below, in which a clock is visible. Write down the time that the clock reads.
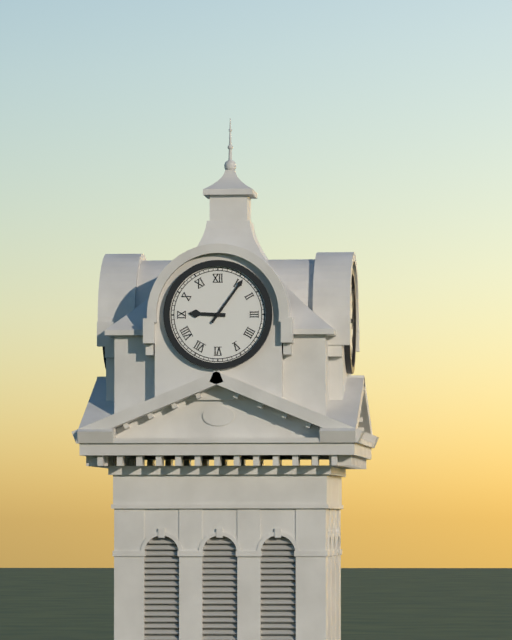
9:06
